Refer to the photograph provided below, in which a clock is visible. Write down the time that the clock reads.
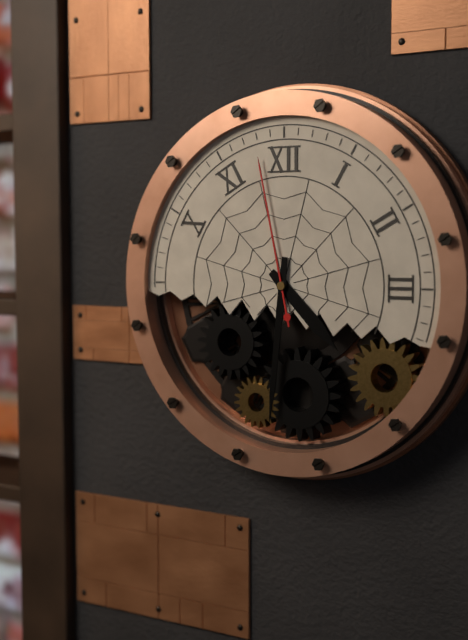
4:31:58
